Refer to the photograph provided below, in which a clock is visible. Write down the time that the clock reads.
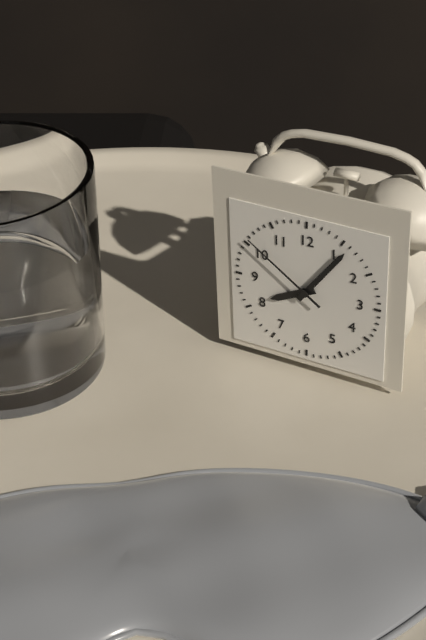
8:06:51
